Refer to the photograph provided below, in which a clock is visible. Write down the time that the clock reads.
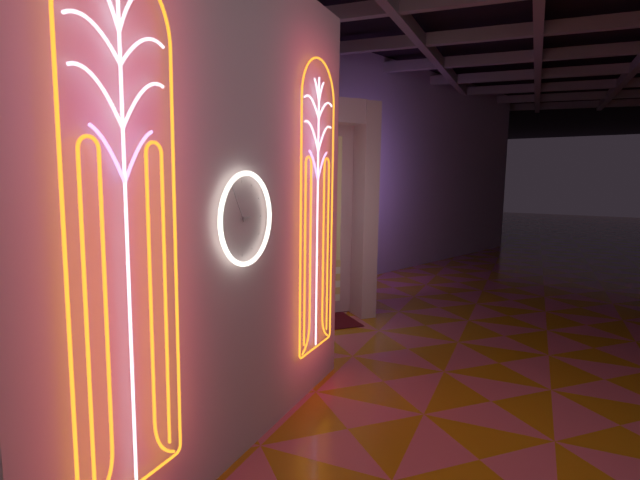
2:55
